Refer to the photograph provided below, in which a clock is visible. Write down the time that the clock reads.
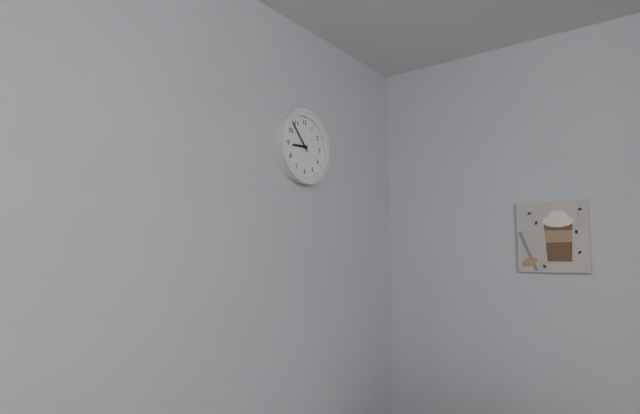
8:53
